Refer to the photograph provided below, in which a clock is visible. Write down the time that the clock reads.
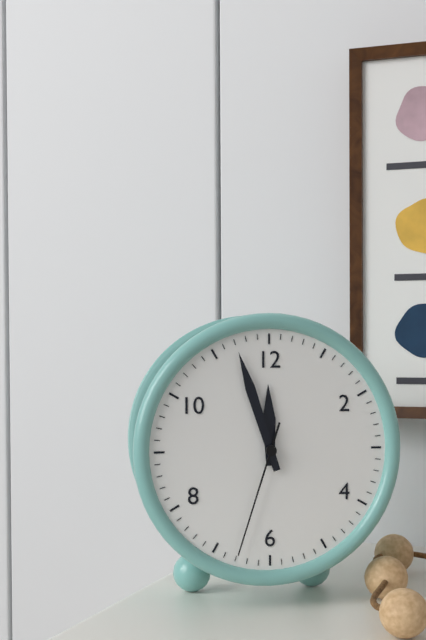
11:57:33
